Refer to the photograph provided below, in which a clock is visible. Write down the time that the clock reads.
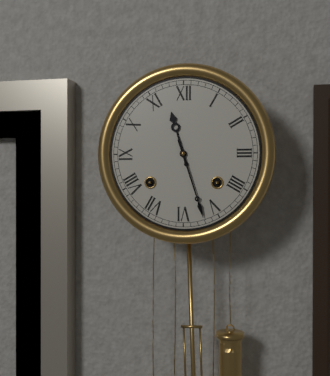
11:27
